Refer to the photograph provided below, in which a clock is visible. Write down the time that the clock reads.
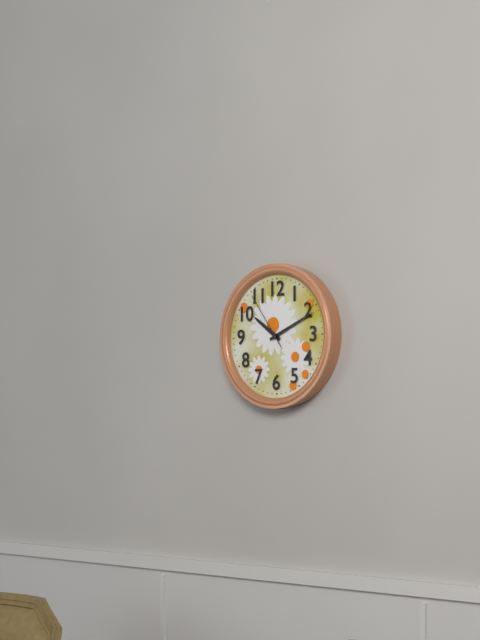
10:11:54
